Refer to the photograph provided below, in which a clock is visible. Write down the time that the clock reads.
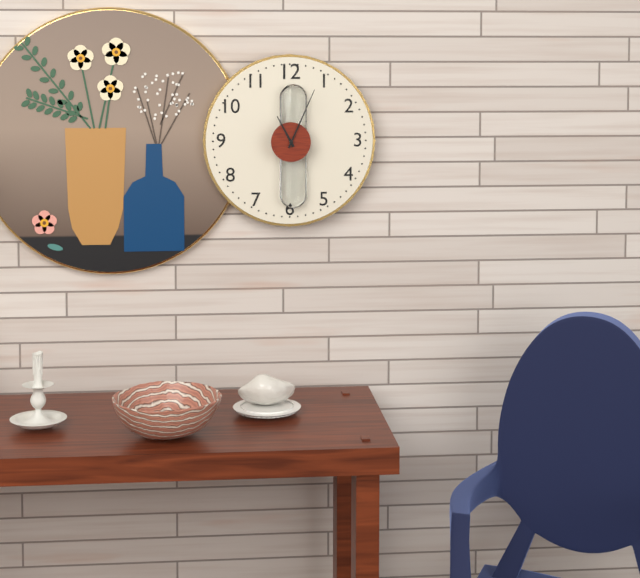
11:04
